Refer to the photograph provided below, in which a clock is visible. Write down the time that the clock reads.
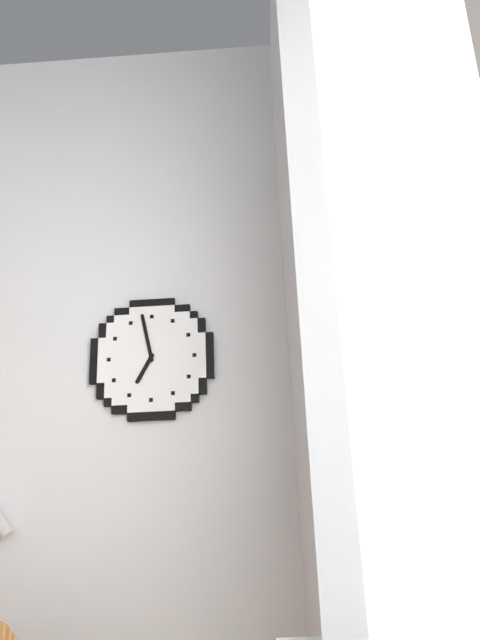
6:58
